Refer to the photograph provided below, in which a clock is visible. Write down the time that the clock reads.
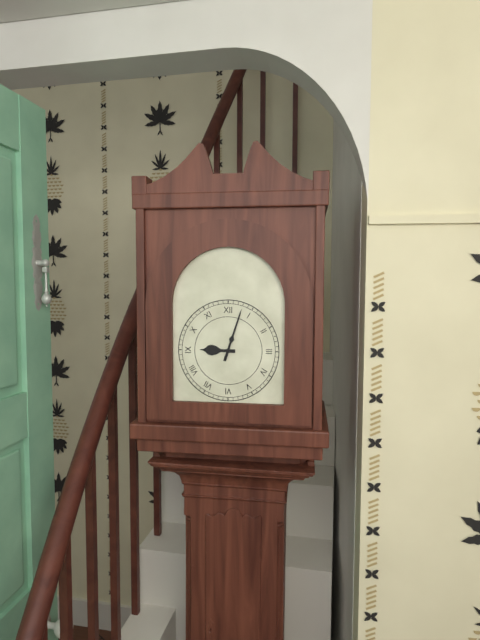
9:03
